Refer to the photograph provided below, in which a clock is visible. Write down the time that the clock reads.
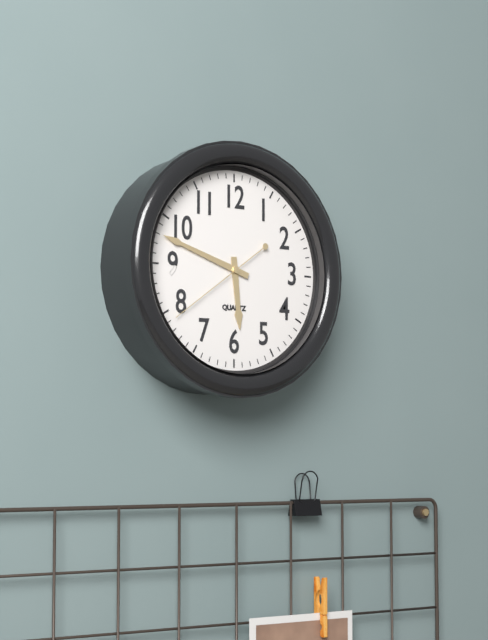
5:48:39
